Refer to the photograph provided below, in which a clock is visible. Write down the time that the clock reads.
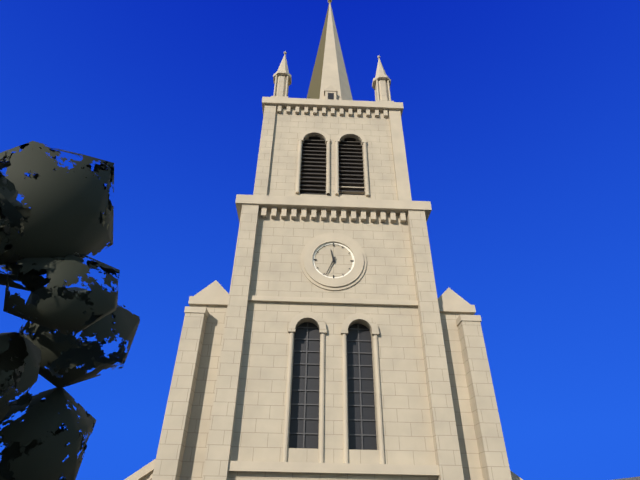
11:34
